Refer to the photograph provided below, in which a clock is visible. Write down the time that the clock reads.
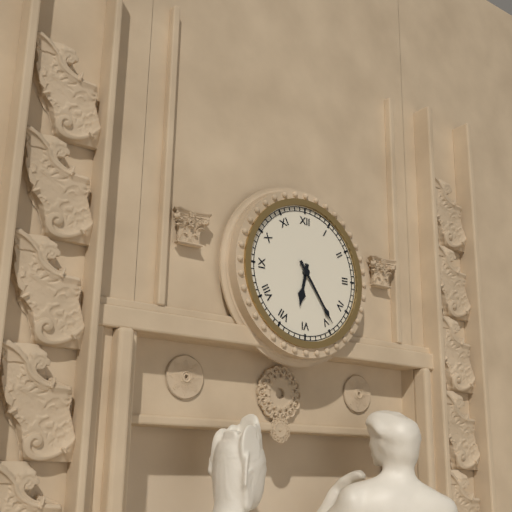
6:24
